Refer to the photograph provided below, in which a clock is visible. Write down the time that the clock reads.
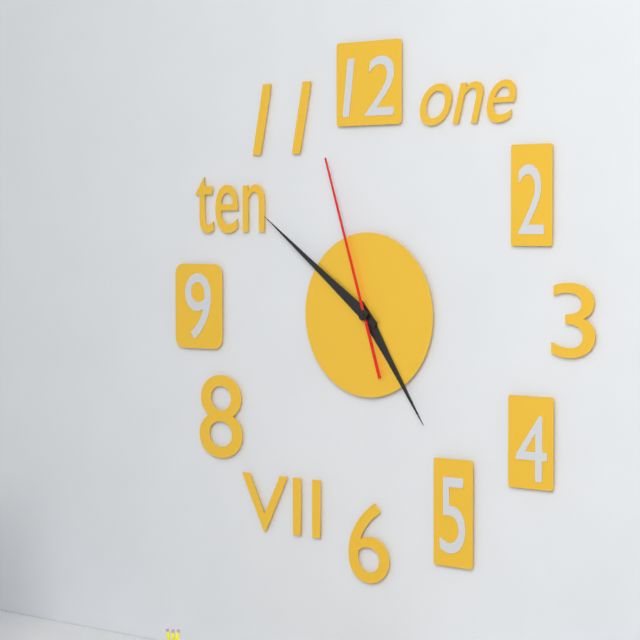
4:51:57
